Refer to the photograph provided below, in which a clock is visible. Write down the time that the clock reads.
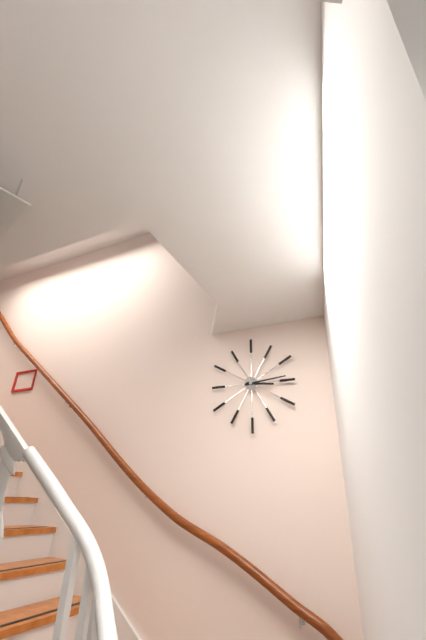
3:14
